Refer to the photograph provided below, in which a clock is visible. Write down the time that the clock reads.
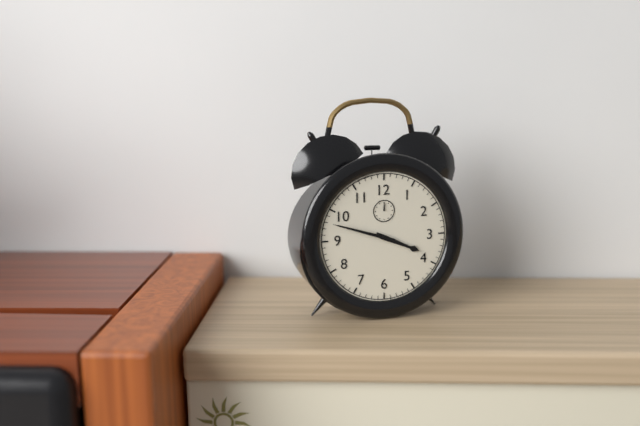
3:48
